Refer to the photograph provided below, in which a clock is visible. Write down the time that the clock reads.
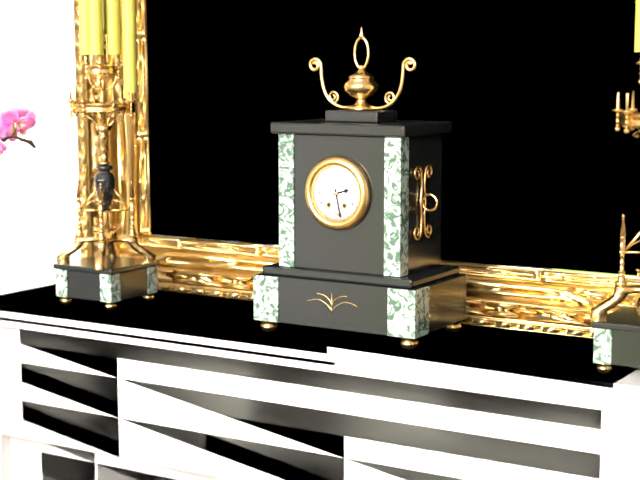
2:28
